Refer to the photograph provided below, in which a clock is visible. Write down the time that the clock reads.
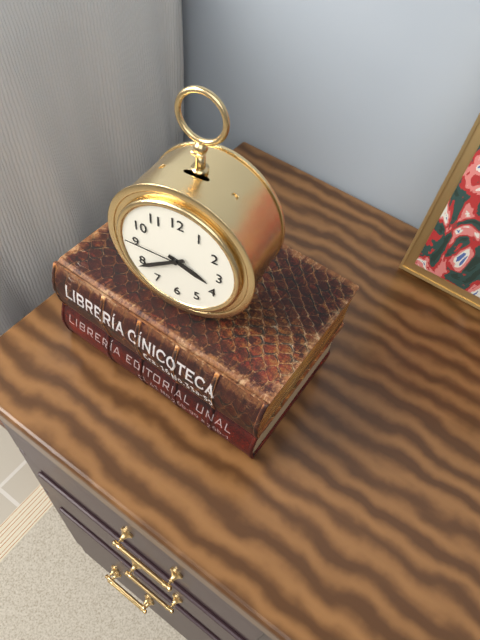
3:39:45
